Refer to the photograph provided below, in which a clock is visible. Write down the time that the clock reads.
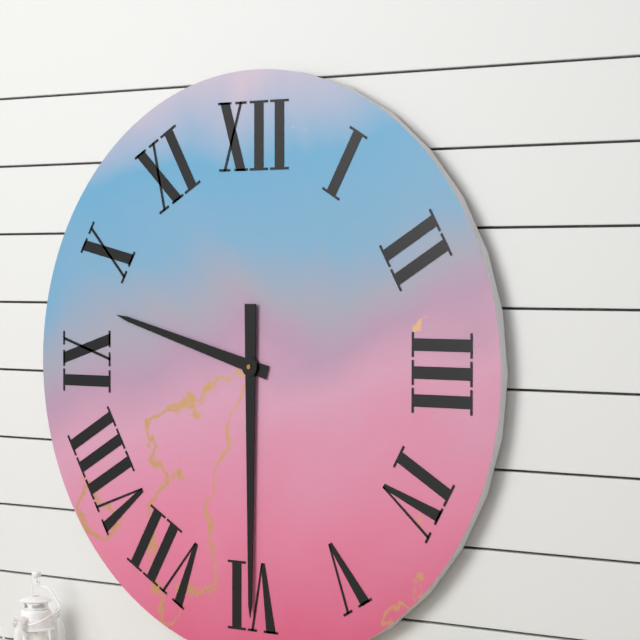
9:30
